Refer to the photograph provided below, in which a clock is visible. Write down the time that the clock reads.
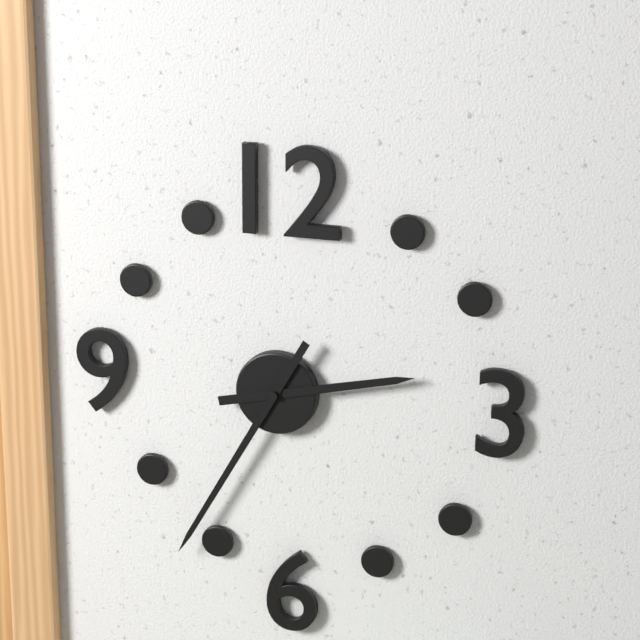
2:35
